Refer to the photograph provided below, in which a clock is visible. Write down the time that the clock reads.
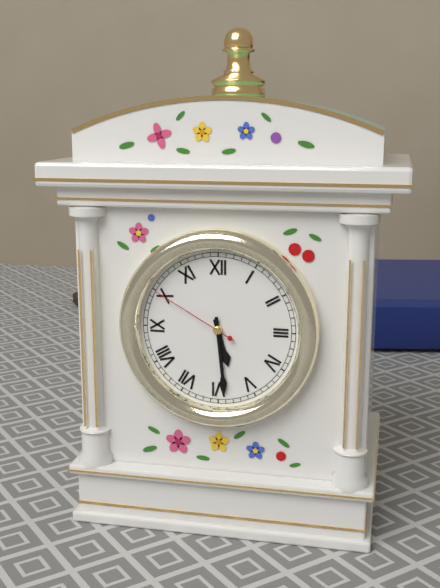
5:29:50
